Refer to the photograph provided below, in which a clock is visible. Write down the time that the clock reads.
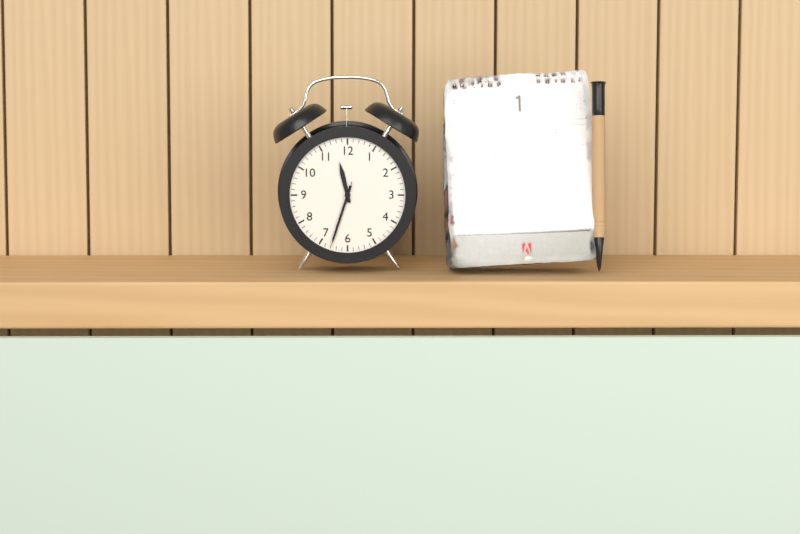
11:33:33
